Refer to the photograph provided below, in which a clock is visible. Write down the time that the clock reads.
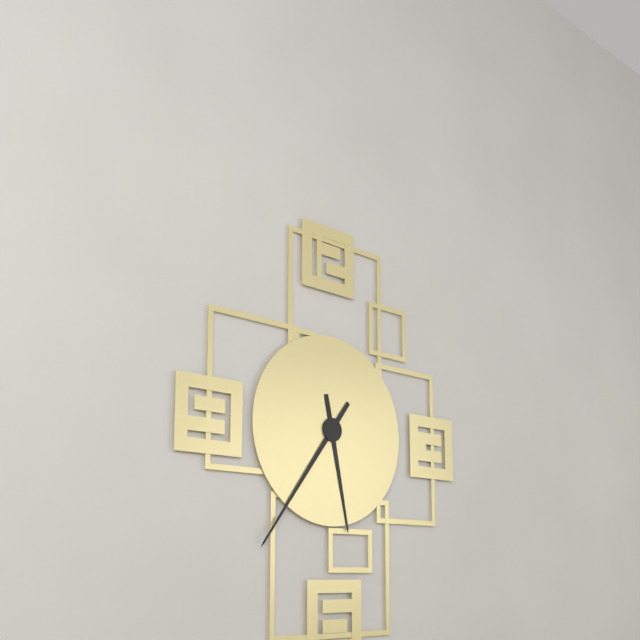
5:36
